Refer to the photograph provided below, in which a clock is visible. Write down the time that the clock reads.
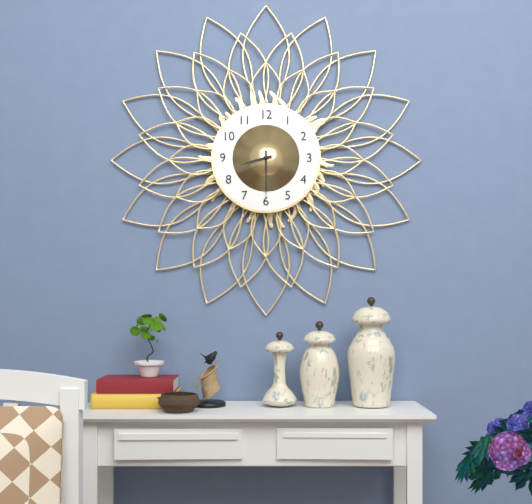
8:30
